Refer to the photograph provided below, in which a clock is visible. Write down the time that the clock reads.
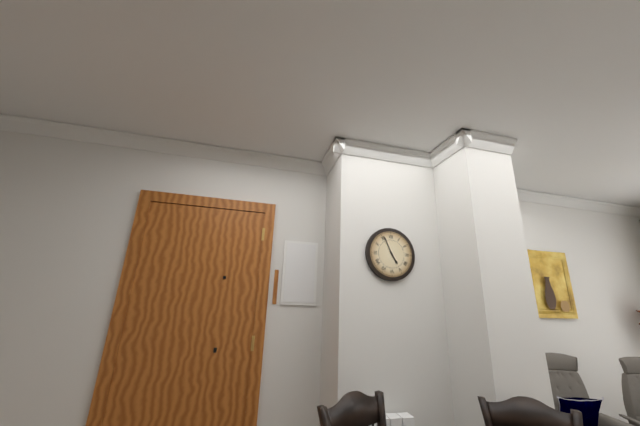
4:56
